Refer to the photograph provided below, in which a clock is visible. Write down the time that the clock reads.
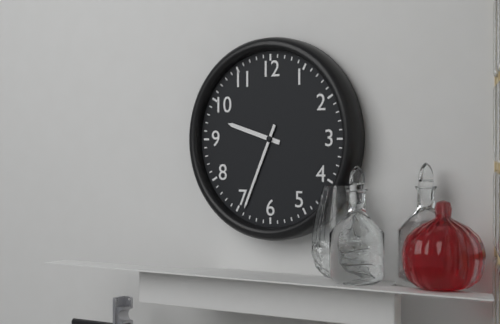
9:34
